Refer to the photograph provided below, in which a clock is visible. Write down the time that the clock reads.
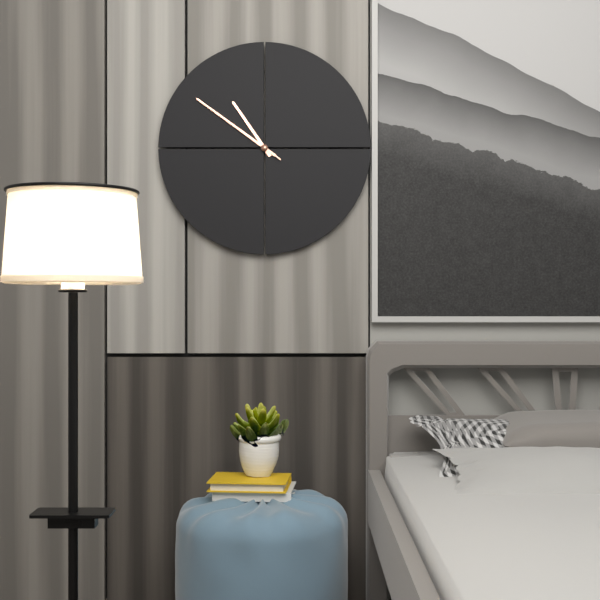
10:51:51
